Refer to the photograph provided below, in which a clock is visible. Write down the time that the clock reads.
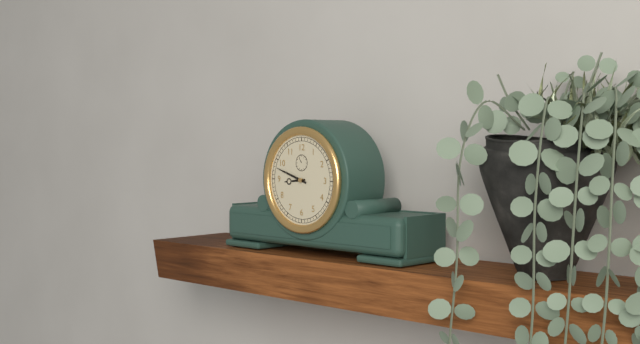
8:48
